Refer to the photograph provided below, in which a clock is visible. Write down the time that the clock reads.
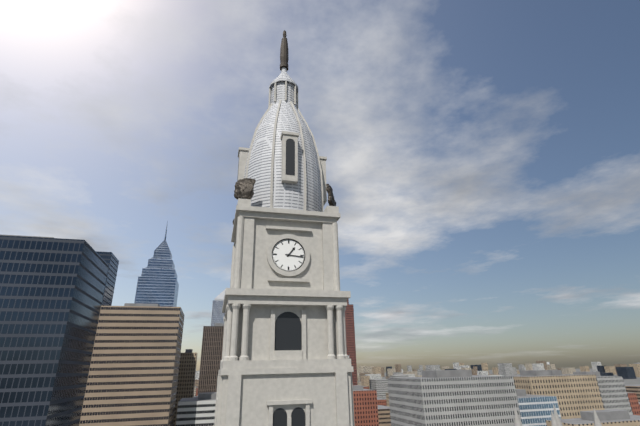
1:16
